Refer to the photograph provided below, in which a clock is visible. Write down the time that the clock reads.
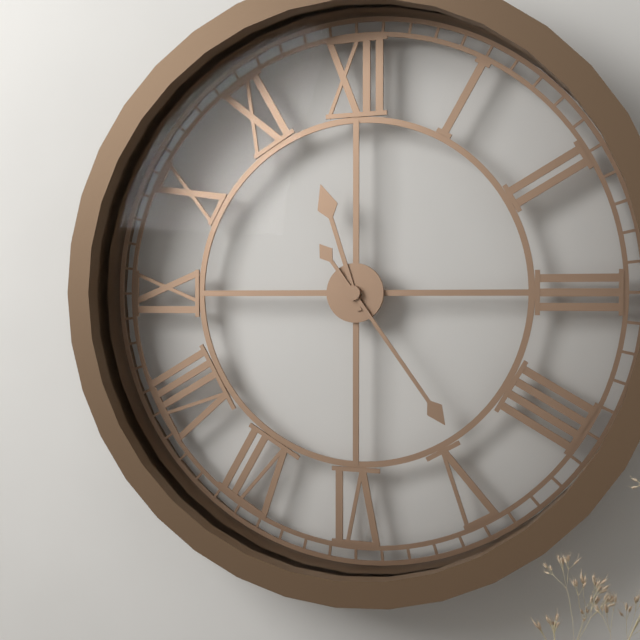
11:24
